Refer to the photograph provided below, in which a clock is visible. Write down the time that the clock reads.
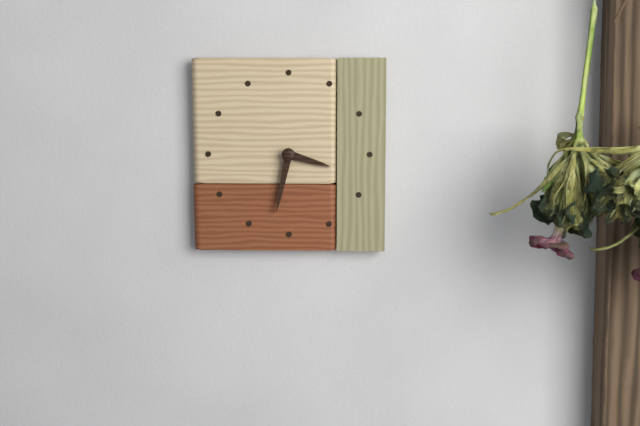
3:32
